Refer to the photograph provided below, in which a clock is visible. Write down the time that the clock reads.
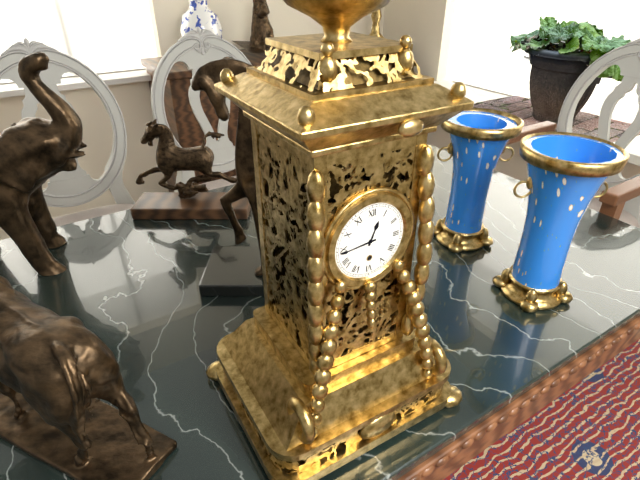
12:44
